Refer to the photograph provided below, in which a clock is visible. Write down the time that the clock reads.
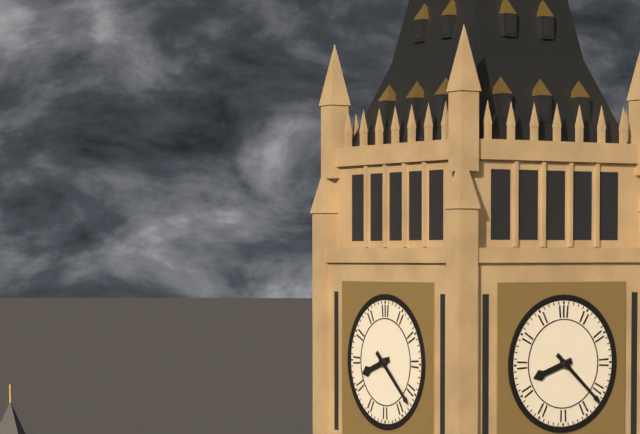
8:22
